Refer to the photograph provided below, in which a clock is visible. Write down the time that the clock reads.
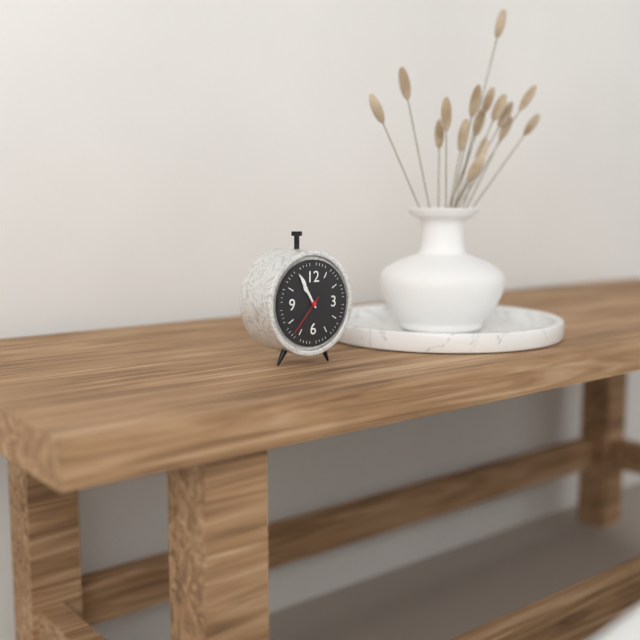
10:55
